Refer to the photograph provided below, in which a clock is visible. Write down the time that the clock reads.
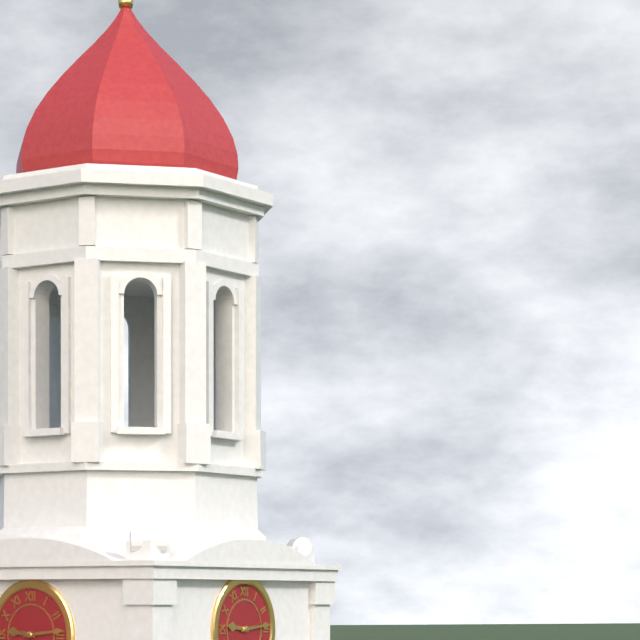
9:14
